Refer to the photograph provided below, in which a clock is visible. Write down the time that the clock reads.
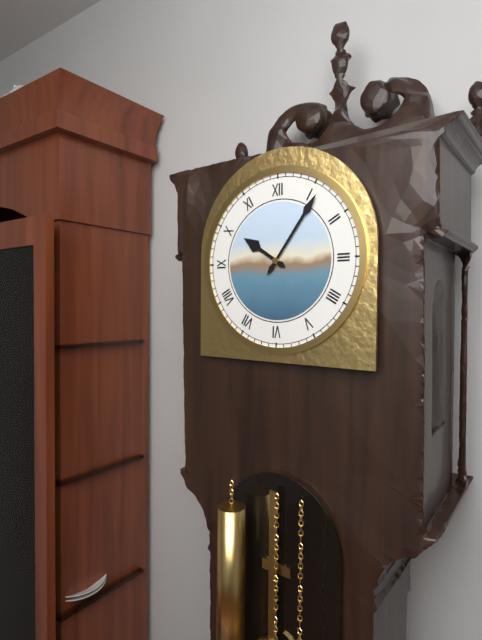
10:06
